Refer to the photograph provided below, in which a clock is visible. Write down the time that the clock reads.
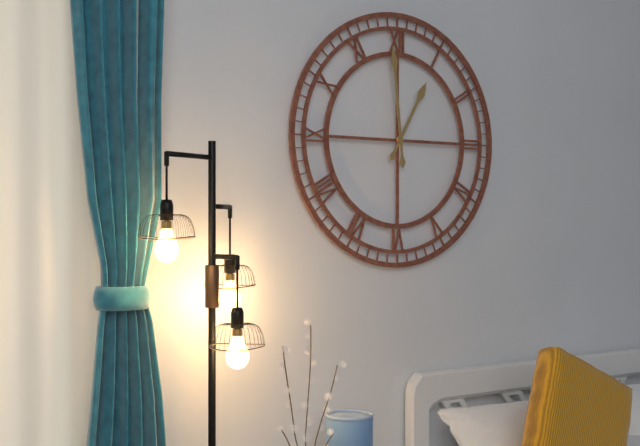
12:59
